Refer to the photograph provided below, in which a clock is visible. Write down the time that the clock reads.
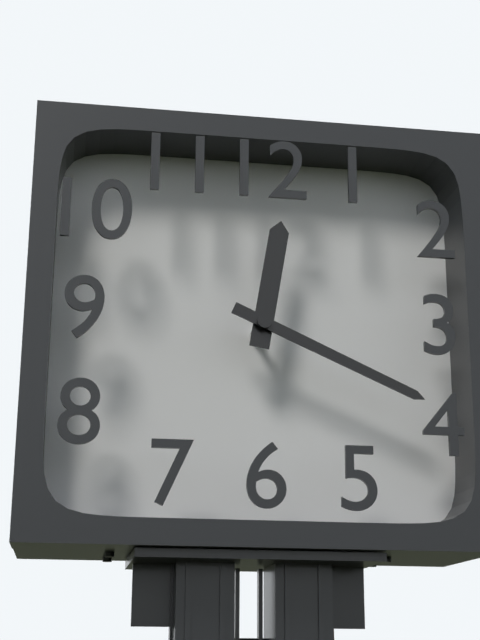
12:19
